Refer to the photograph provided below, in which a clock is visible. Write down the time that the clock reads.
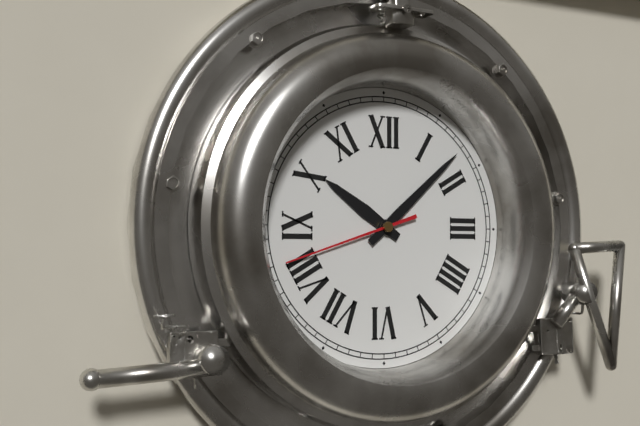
10:08:42
